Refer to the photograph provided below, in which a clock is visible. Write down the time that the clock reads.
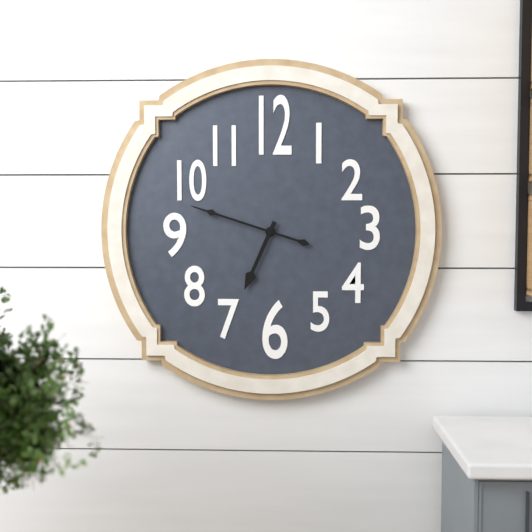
6:48
